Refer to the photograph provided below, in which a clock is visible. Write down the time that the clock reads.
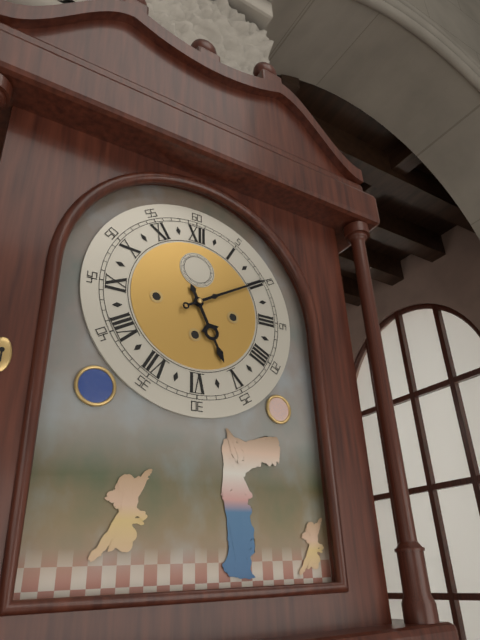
5:10
